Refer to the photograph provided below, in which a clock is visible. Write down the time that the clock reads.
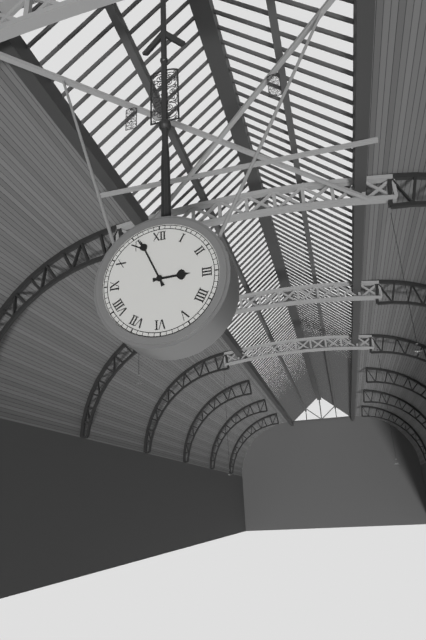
2:56
